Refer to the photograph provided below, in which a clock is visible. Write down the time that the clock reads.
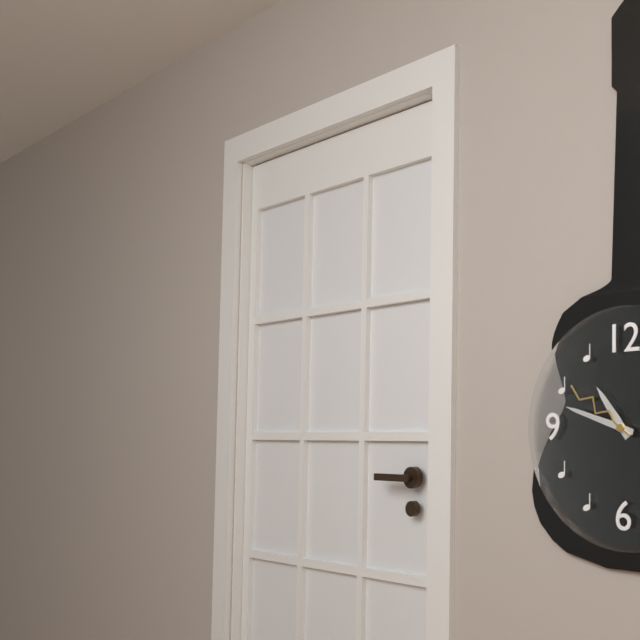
10:48:51
